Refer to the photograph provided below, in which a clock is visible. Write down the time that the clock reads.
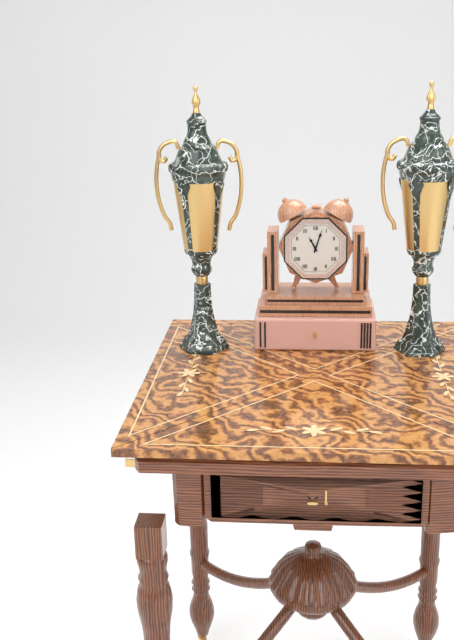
11:03
